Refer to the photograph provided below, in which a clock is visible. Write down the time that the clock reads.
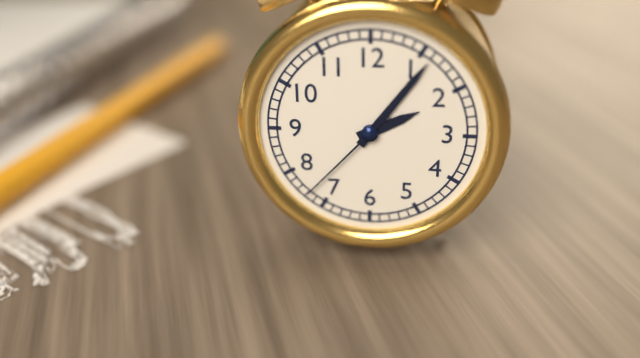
2:06:37
